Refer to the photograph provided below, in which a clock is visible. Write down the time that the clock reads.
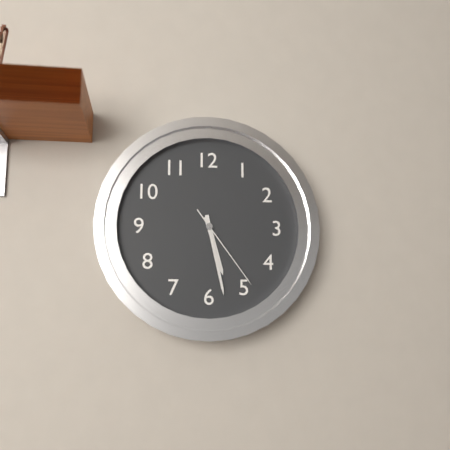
5:28:24
